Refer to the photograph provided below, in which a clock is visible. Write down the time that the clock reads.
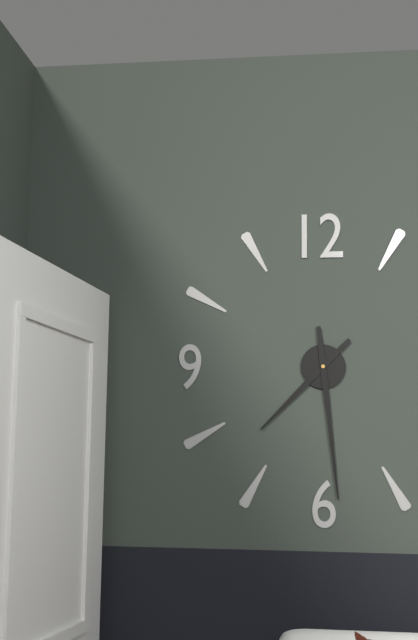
7:29
